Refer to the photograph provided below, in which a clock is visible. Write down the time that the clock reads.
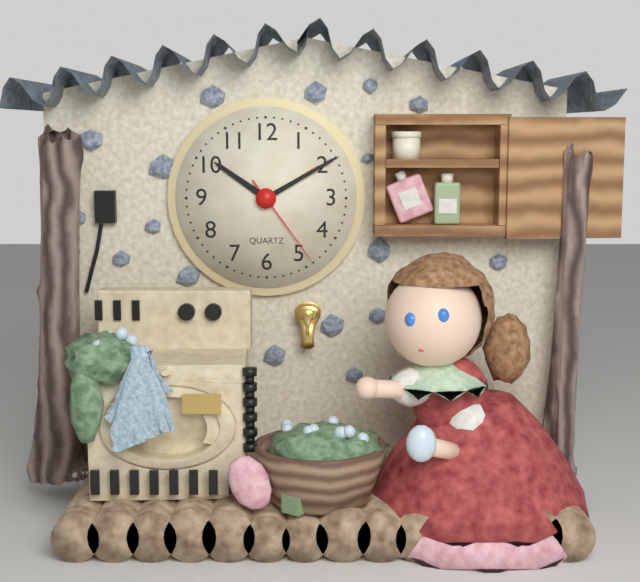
10:10:24
